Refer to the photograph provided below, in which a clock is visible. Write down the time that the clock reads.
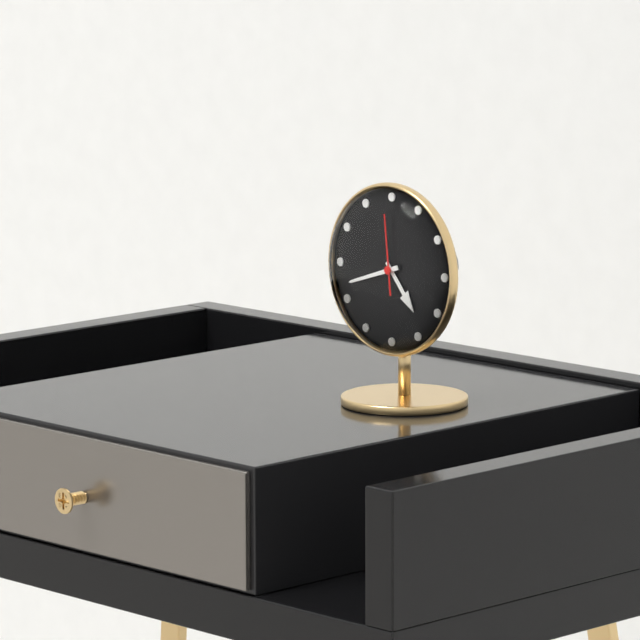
4:42:59
